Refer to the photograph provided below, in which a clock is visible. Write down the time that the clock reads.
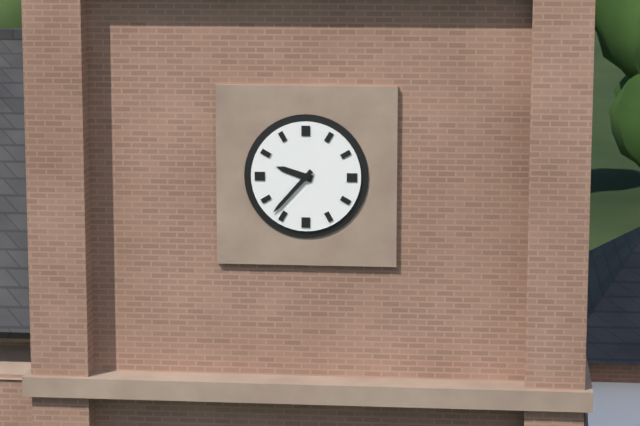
9:37
